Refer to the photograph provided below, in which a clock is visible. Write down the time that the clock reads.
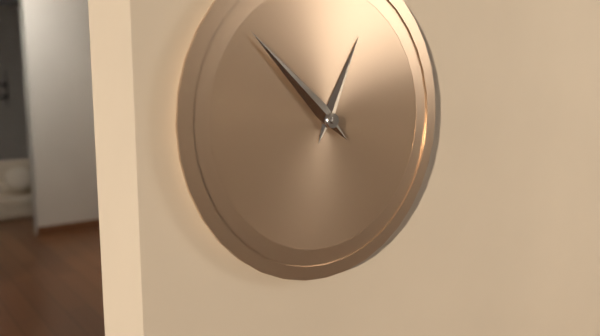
12:52
